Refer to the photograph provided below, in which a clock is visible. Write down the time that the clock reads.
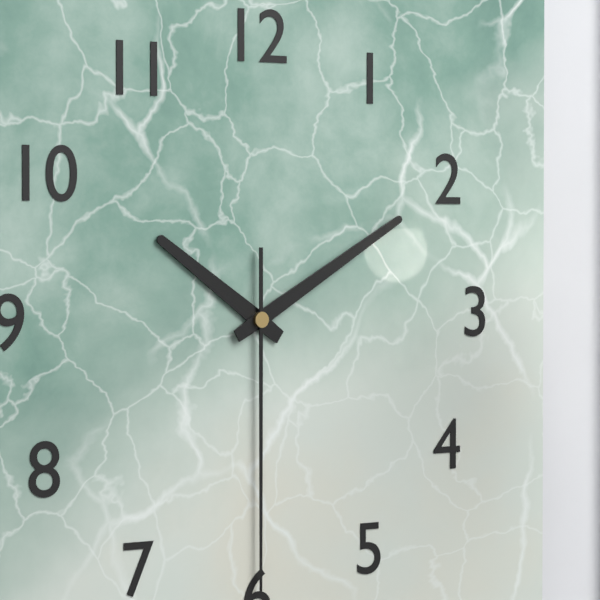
10:10:30
